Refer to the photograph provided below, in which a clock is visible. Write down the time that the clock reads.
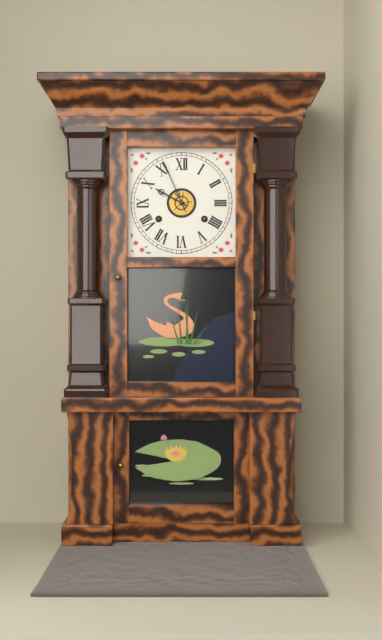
9:56
